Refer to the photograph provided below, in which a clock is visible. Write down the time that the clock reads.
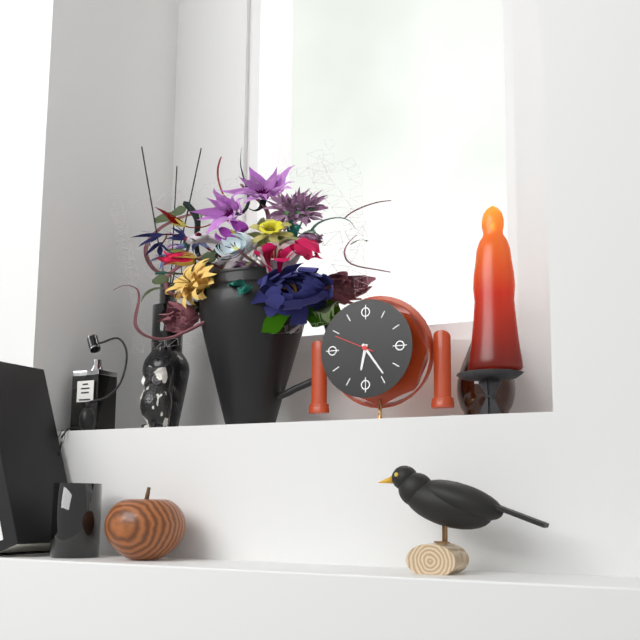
6:24
